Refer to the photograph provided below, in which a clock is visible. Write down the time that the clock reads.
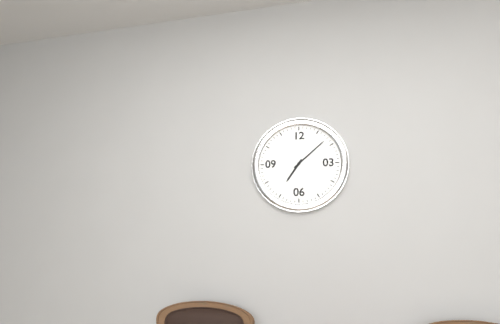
7:08
